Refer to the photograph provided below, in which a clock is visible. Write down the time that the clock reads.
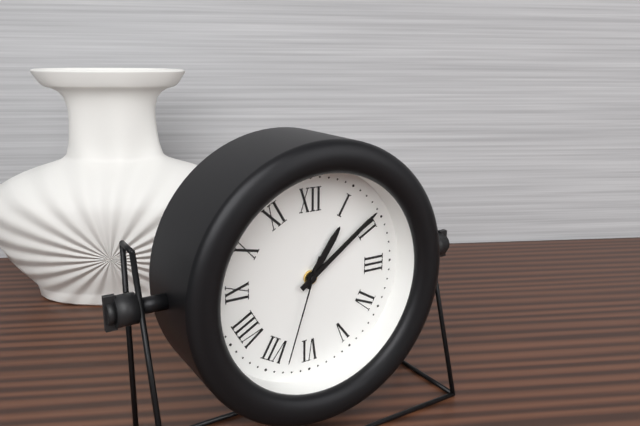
1:09:33
